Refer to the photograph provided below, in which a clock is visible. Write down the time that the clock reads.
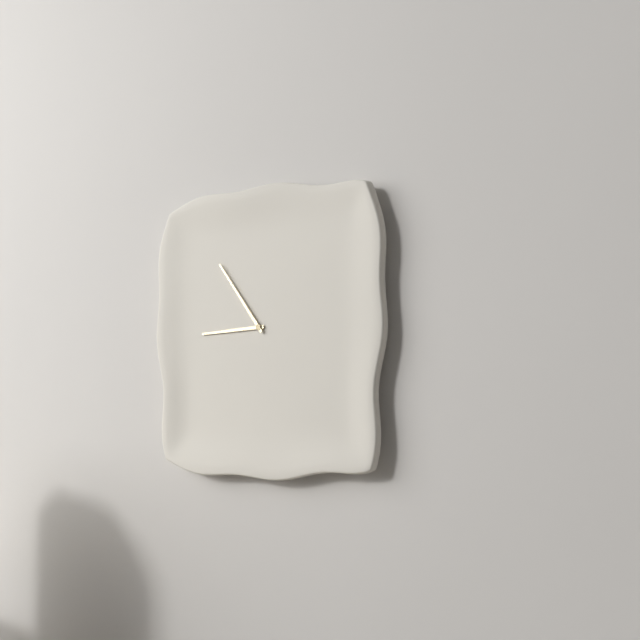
8:54
